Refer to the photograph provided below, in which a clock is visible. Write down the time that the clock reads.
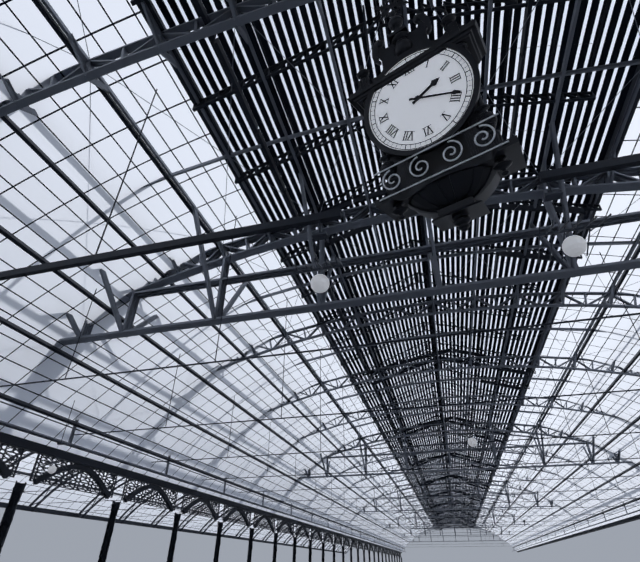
2:19
